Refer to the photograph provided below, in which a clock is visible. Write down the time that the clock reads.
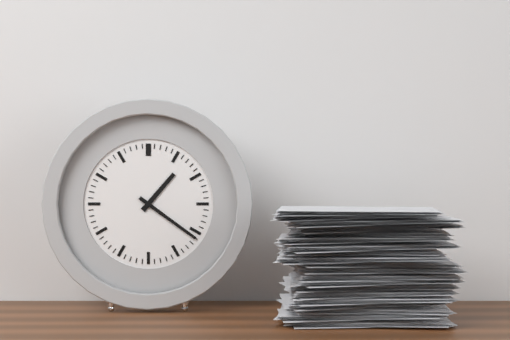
1:21
